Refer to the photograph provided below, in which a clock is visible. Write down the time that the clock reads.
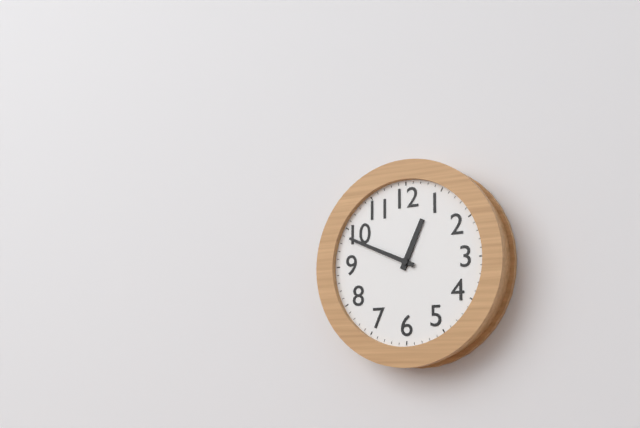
12:49
